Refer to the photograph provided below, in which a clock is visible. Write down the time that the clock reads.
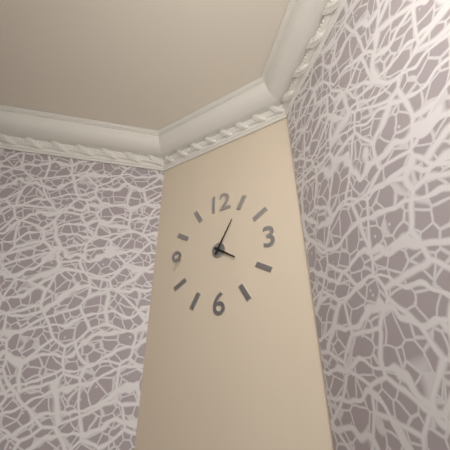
4:05
